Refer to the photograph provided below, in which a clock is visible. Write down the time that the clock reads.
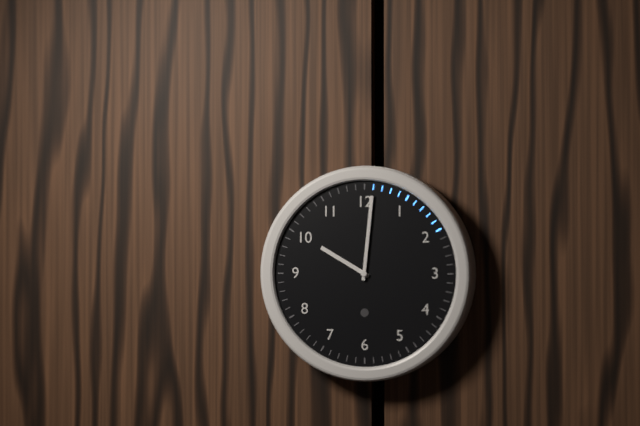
10:01
